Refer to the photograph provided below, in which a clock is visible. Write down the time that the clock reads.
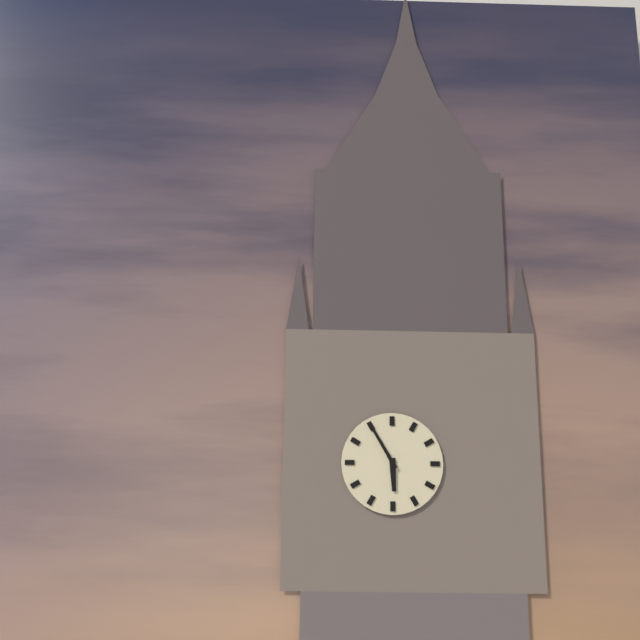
5:55
